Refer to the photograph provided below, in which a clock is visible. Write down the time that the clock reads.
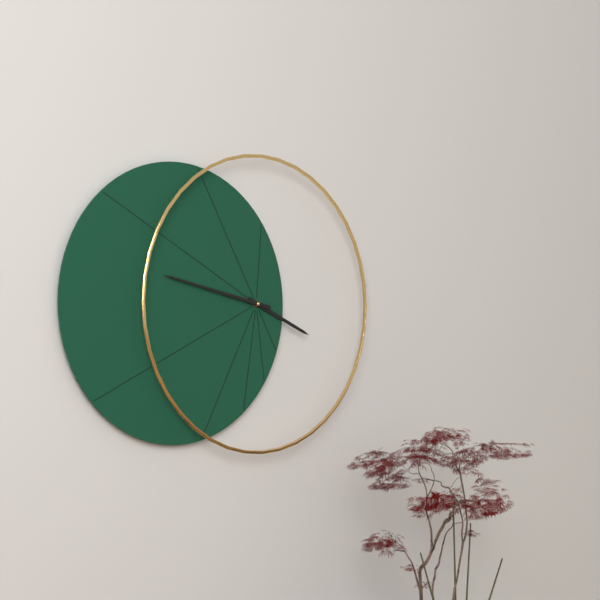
3:47
